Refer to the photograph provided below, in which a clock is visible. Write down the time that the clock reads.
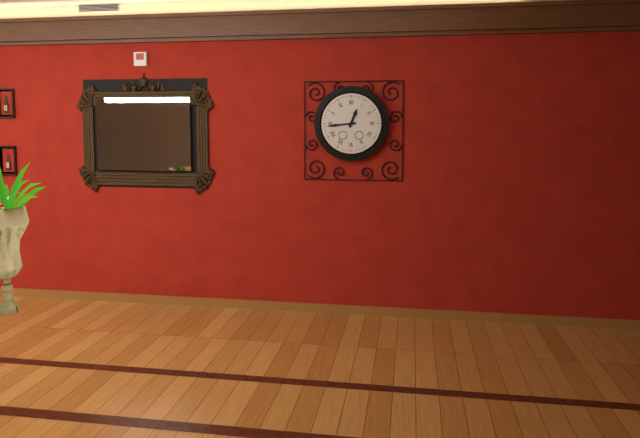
12:44
